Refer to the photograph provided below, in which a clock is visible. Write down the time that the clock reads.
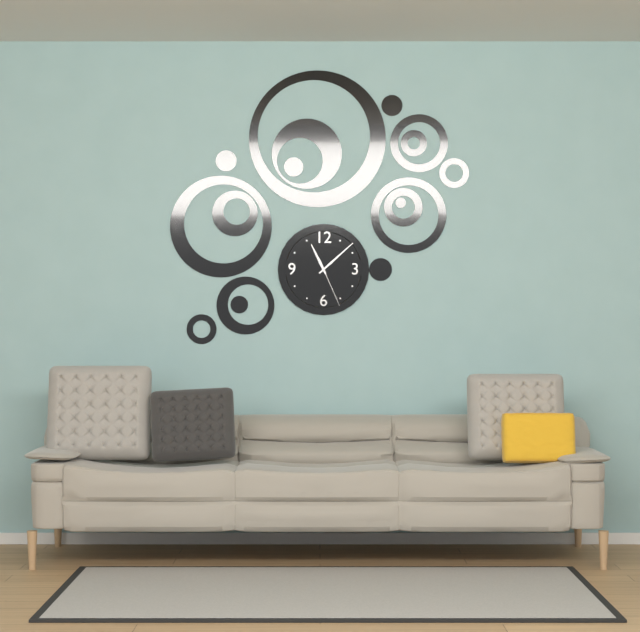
11:08
